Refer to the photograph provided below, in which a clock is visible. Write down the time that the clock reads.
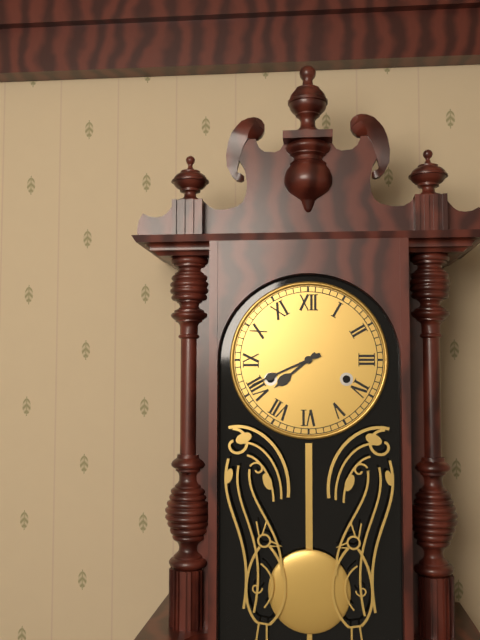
7:41
